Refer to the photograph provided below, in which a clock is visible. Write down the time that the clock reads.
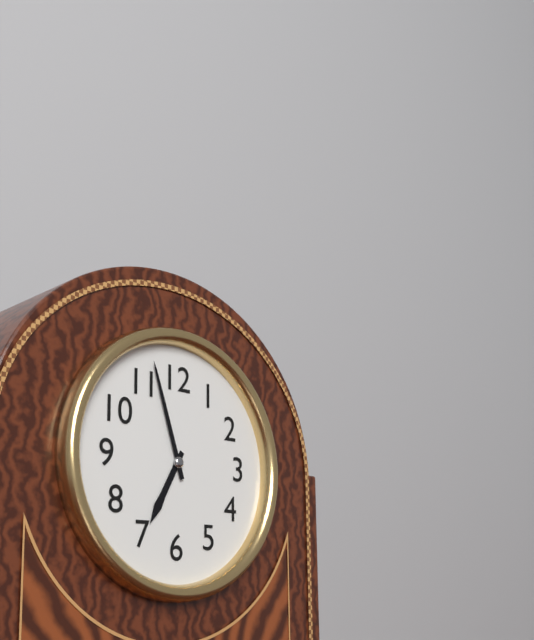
6:57
